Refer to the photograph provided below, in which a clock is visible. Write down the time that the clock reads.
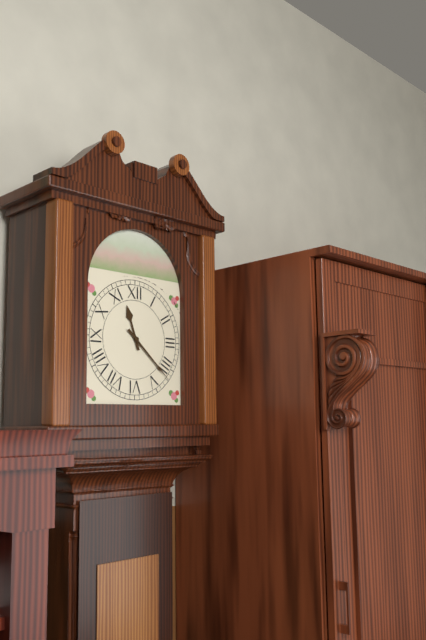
11:22
